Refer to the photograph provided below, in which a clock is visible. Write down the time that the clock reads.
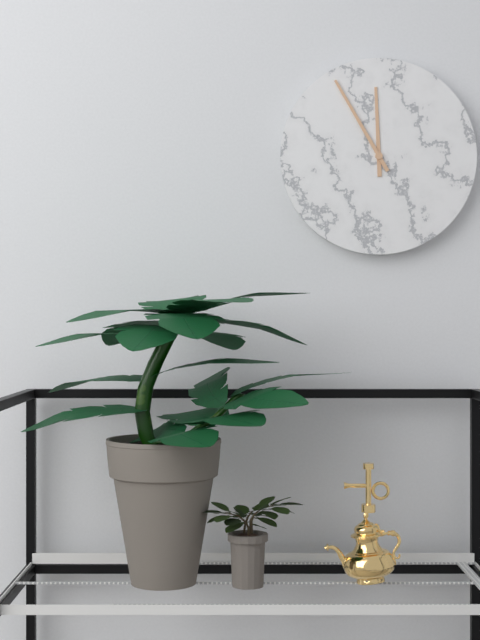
11:55
